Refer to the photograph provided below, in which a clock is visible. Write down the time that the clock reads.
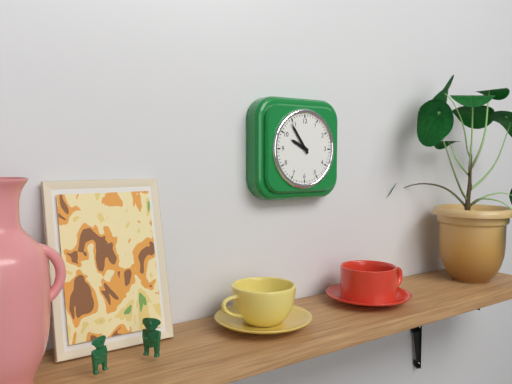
9:54
